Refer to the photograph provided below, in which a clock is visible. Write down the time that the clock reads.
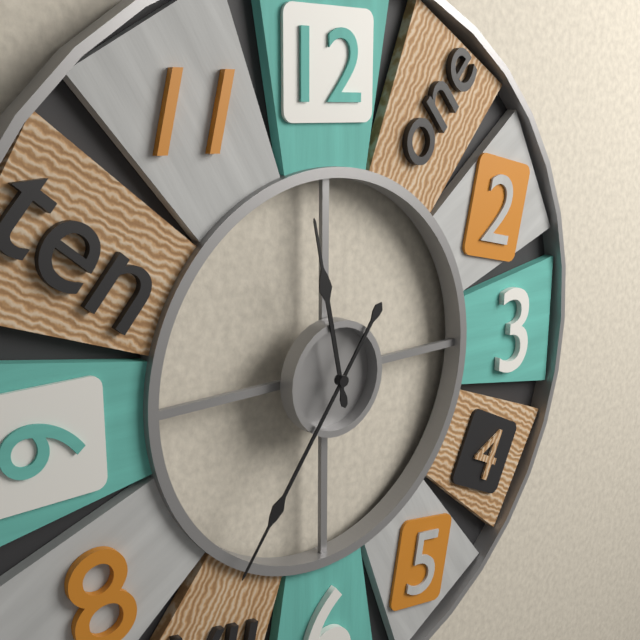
11:36
